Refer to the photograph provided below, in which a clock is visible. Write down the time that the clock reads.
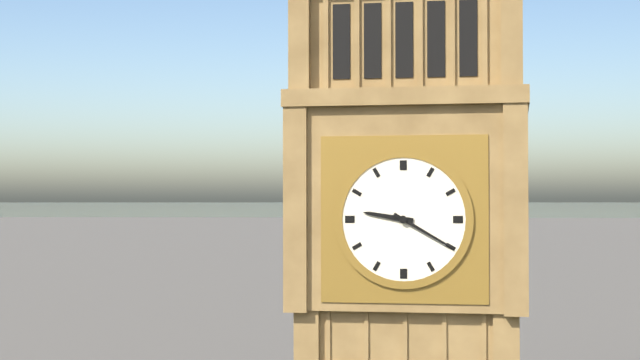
9:20
